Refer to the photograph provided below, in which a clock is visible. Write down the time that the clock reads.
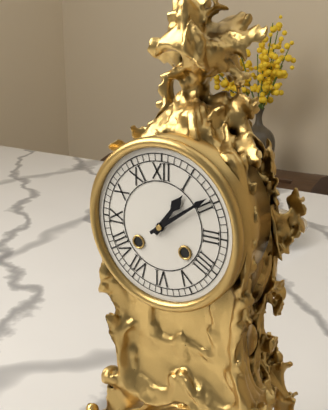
1:09
